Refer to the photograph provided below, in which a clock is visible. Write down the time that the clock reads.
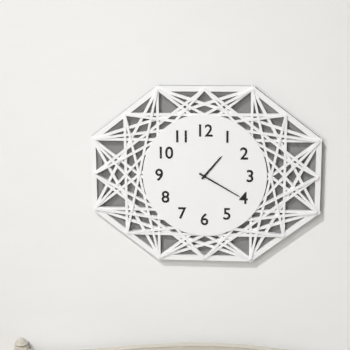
1:20
